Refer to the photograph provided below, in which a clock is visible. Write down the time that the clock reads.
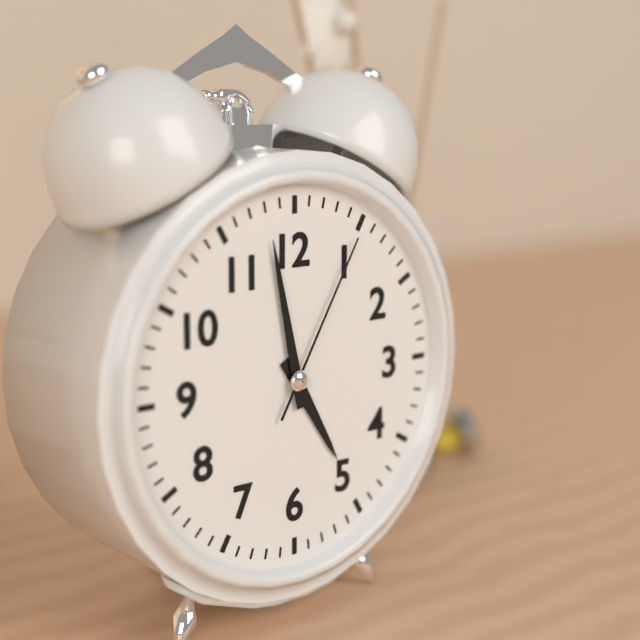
4:58:05
